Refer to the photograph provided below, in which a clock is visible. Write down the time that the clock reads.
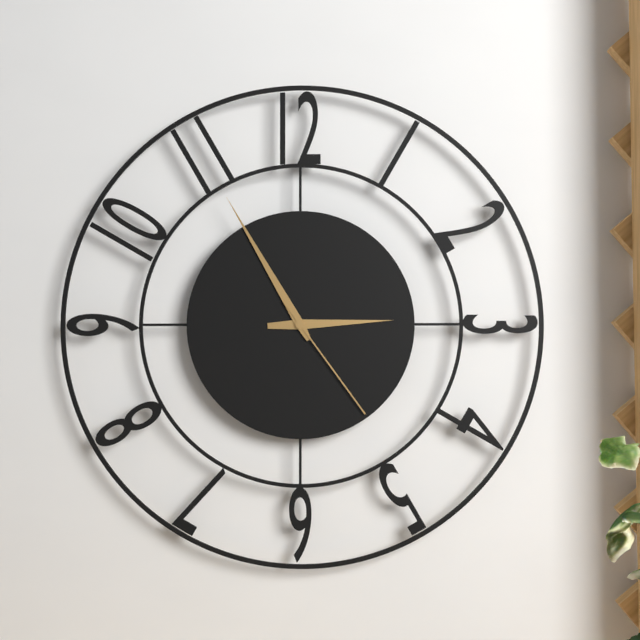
2:55:24
